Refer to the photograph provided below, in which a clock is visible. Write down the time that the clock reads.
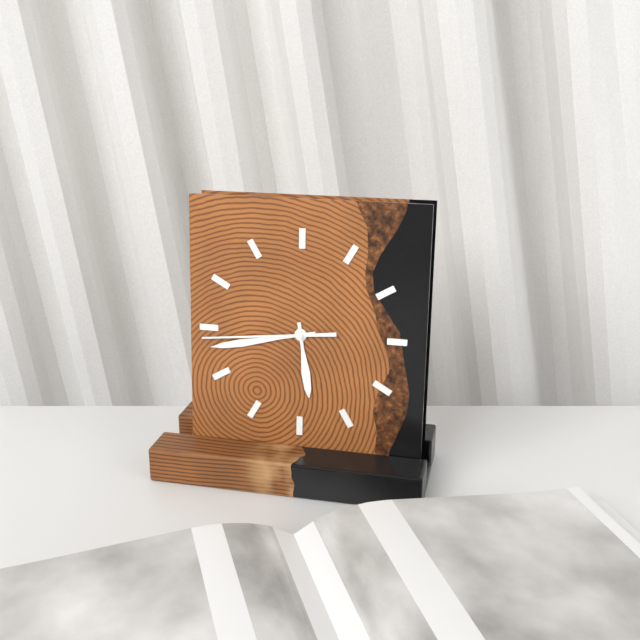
5:43:44
